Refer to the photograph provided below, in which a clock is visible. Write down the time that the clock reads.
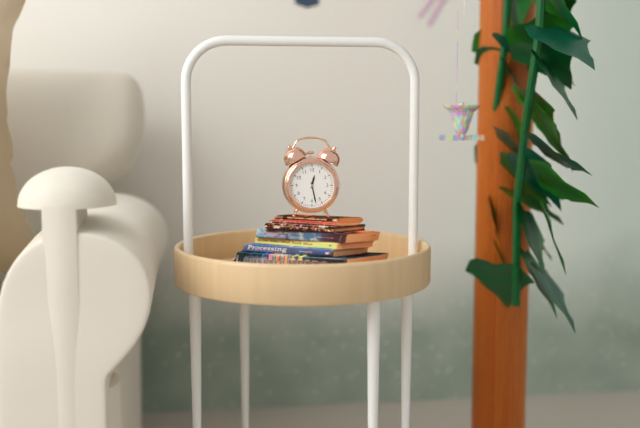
12:28
